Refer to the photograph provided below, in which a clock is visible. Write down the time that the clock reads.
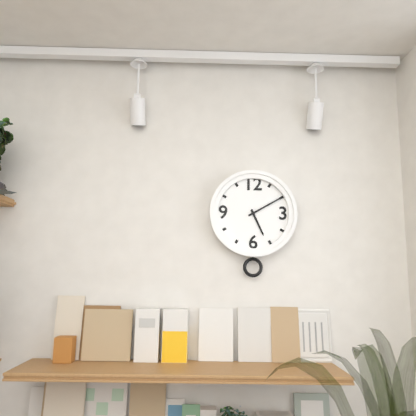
5:10
